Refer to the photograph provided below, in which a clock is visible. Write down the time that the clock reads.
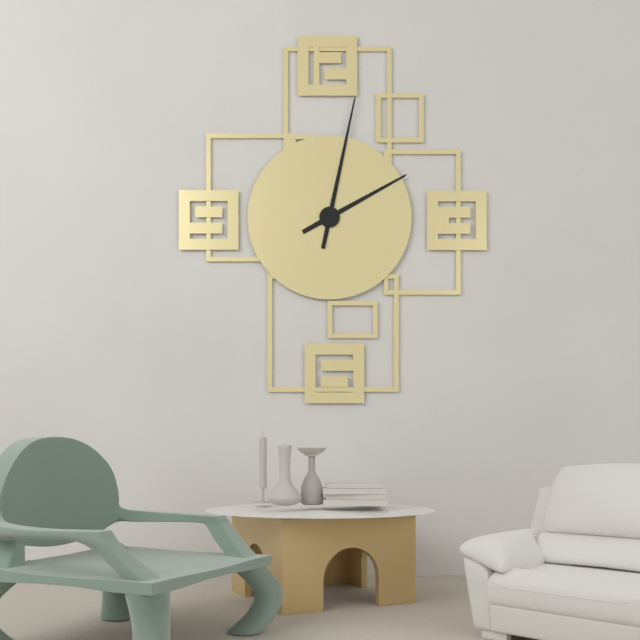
2:02
